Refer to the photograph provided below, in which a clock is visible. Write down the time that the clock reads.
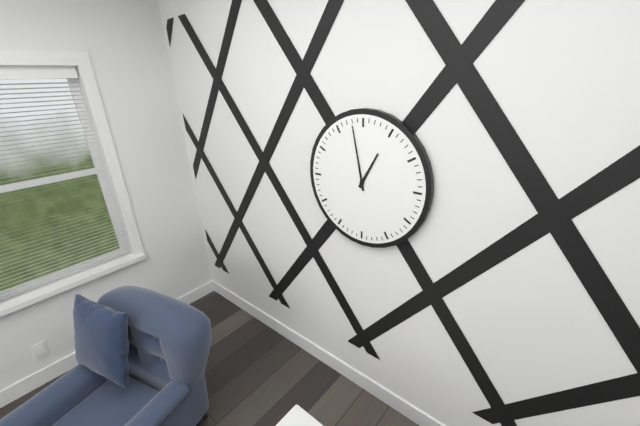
12:58
